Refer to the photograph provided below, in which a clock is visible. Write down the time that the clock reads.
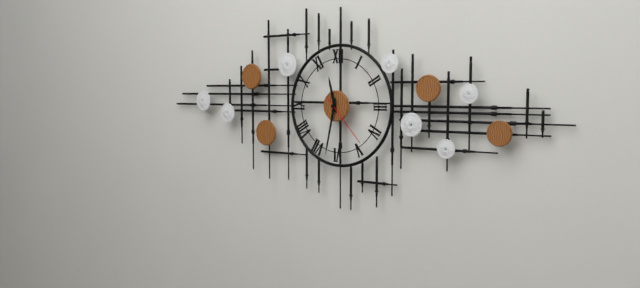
11:32:23
